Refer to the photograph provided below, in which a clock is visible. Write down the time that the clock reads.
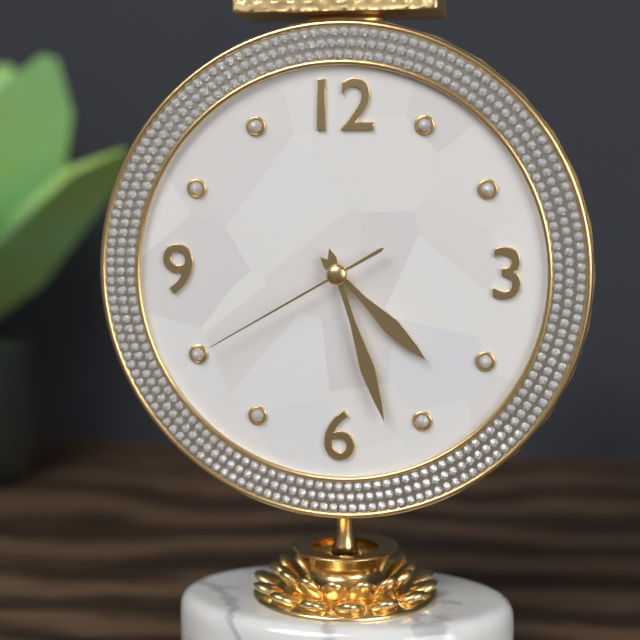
4:27:40
